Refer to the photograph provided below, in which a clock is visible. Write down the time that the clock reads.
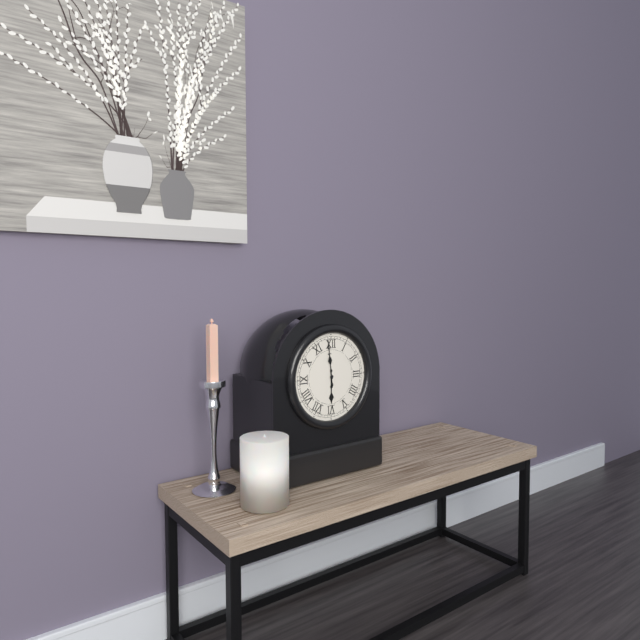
5:59
